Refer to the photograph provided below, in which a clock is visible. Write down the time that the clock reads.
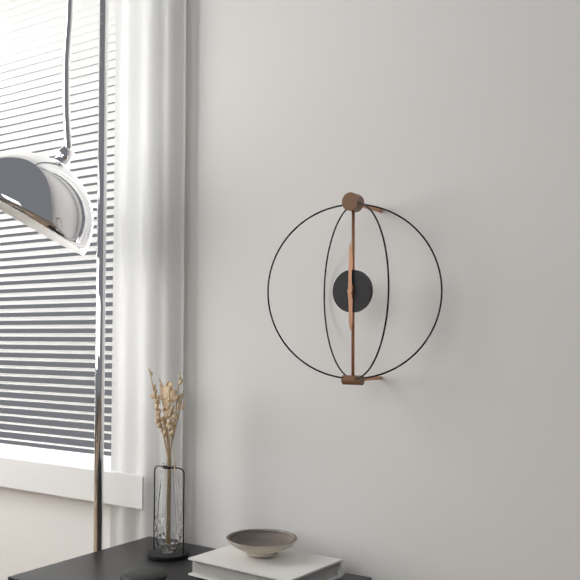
6:00
